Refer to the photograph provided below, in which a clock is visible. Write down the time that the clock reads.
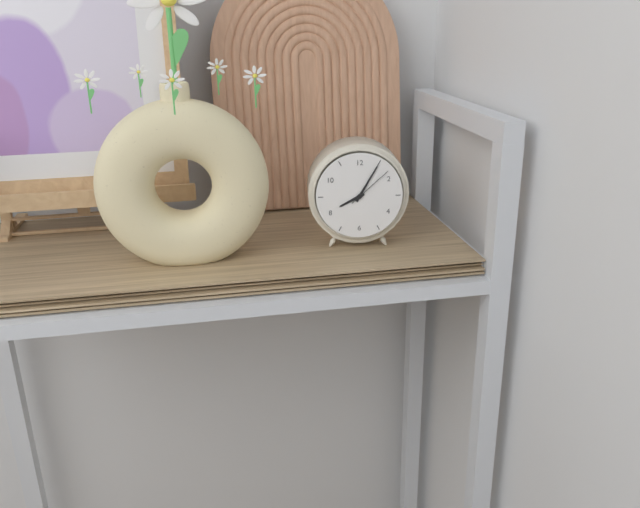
8:05
